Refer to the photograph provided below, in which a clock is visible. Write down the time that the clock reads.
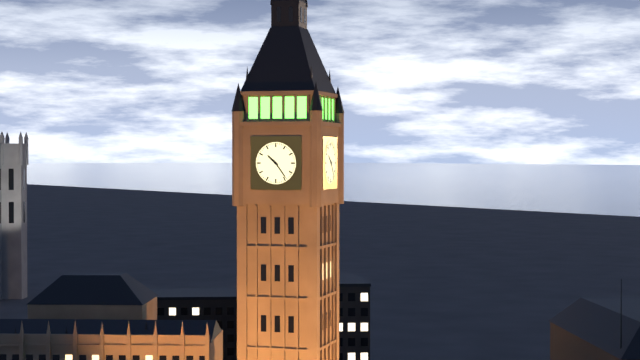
10:24
